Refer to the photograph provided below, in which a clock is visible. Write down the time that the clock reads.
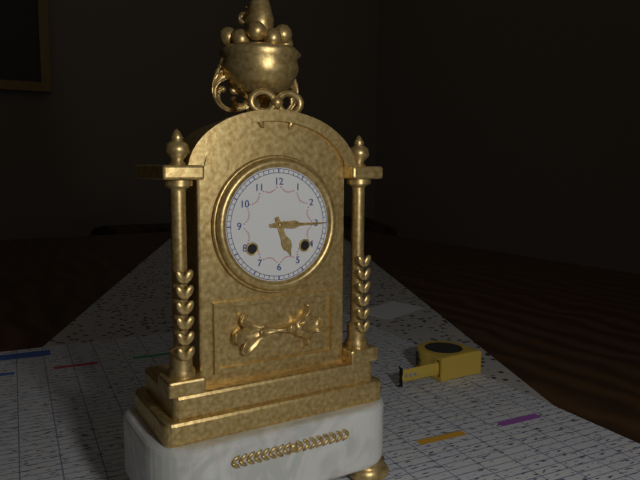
5:15
